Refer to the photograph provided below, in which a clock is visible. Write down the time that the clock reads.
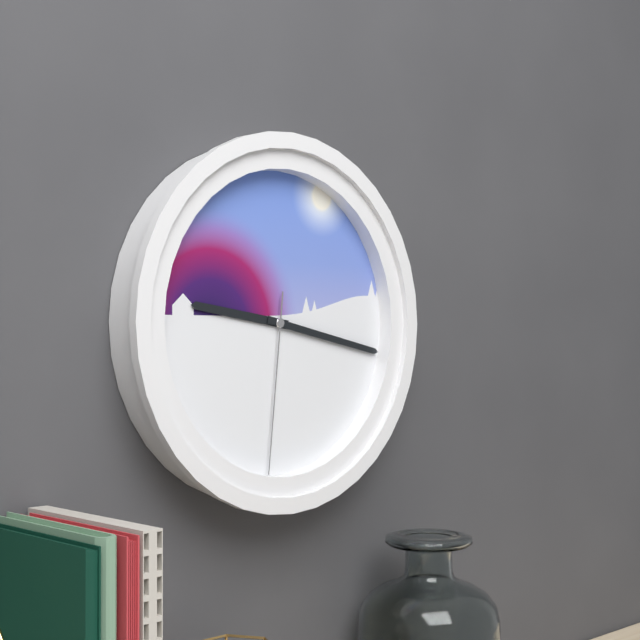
9:17:31
